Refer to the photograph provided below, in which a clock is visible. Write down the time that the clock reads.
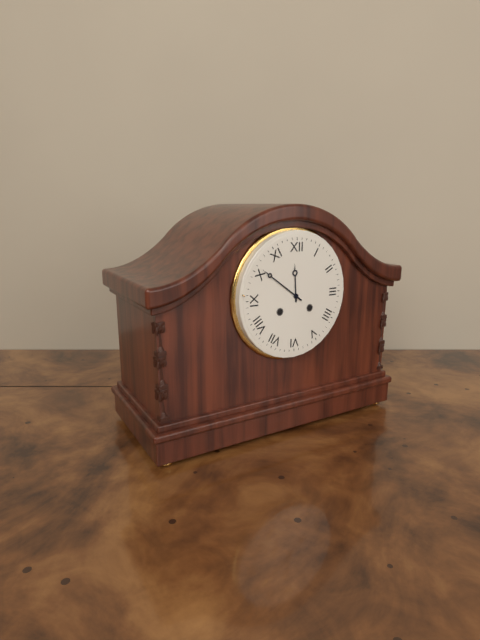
11:51
